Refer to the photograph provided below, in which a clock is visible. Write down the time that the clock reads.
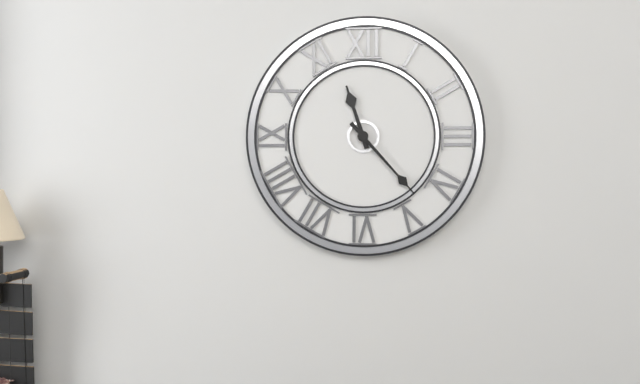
11:23
